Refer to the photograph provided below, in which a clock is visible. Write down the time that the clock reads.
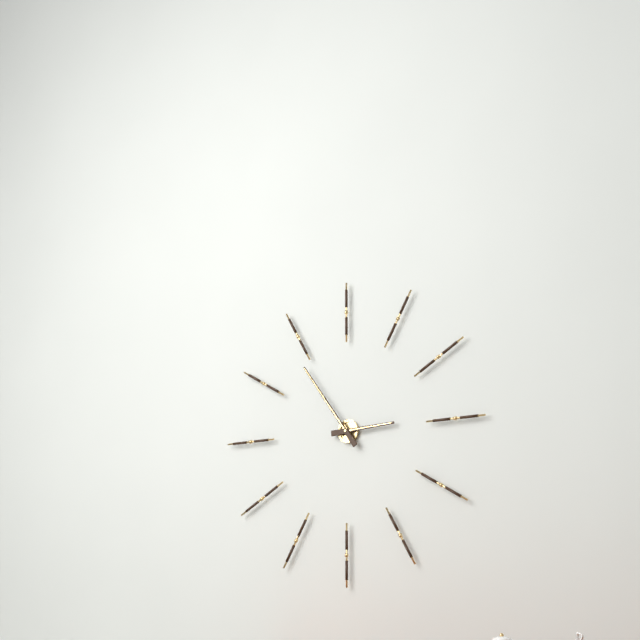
2:54
